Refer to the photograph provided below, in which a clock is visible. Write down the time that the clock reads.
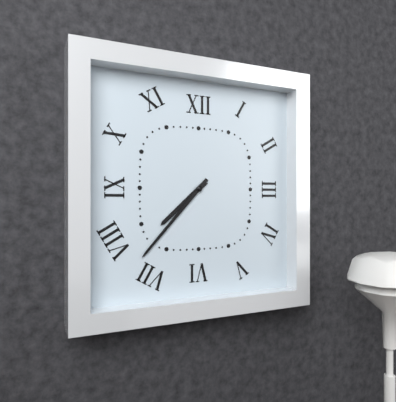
7:37
